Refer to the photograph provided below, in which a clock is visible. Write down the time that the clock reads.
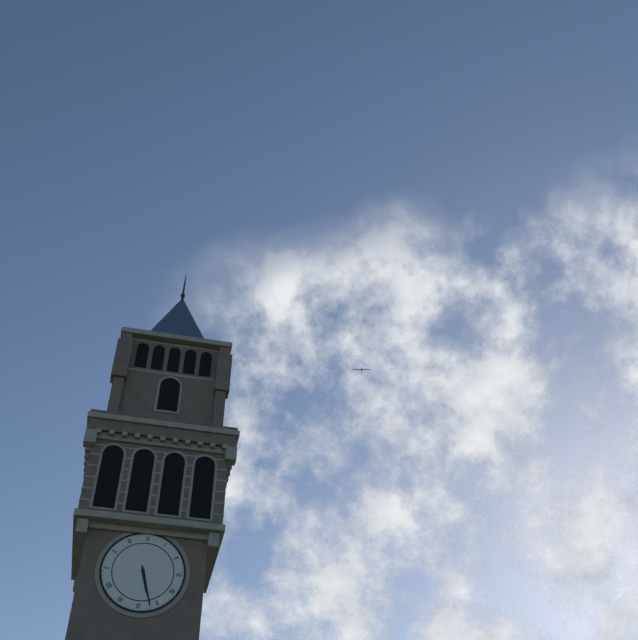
5:27
